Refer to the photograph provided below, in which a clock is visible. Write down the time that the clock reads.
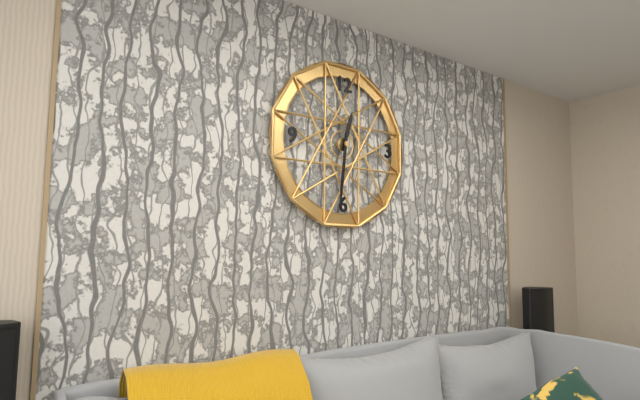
12:31
